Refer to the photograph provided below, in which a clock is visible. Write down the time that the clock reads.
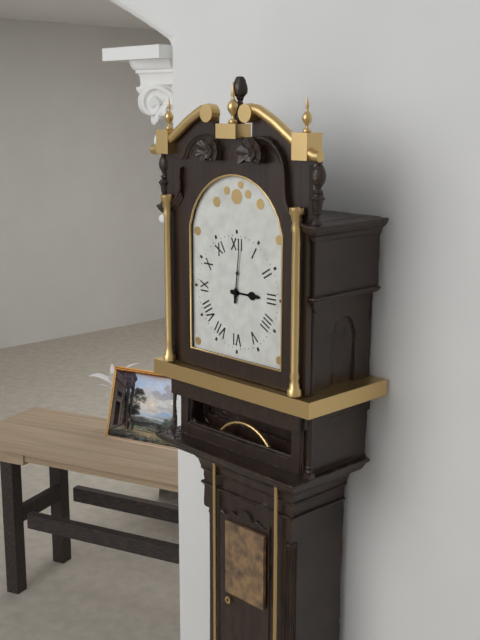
3:01
